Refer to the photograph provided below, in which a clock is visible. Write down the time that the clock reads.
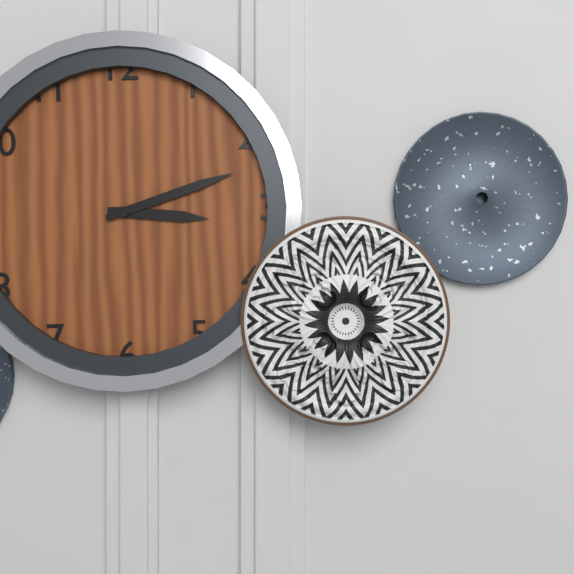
3:12
